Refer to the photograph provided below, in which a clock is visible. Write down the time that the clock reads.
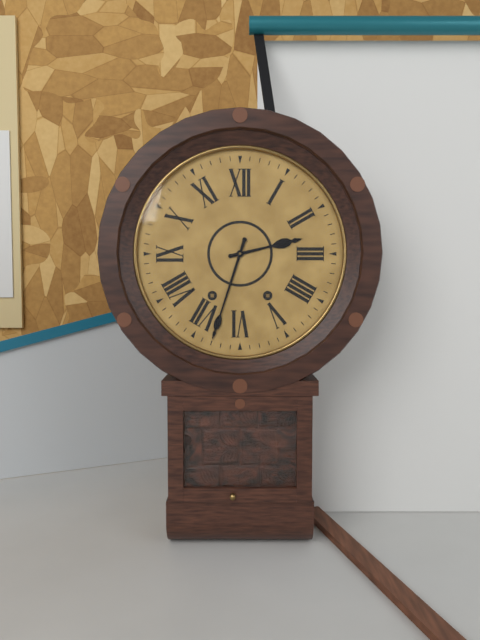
2:33
